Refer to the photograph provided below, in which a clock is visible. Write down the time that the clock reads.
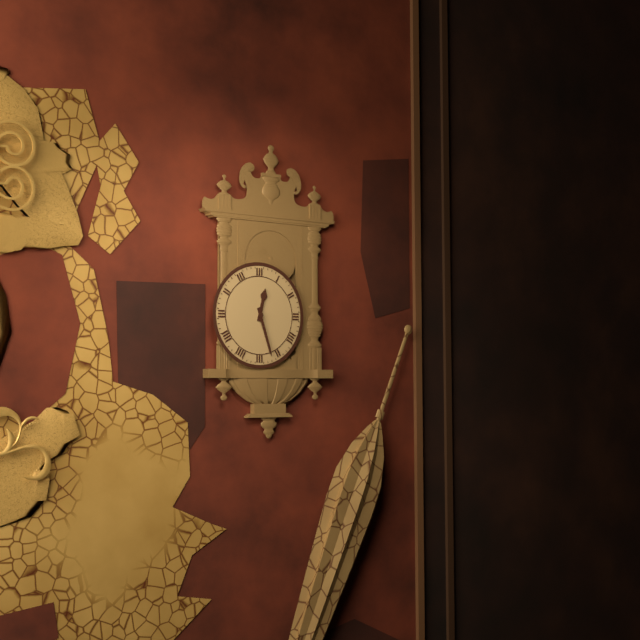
12:27
